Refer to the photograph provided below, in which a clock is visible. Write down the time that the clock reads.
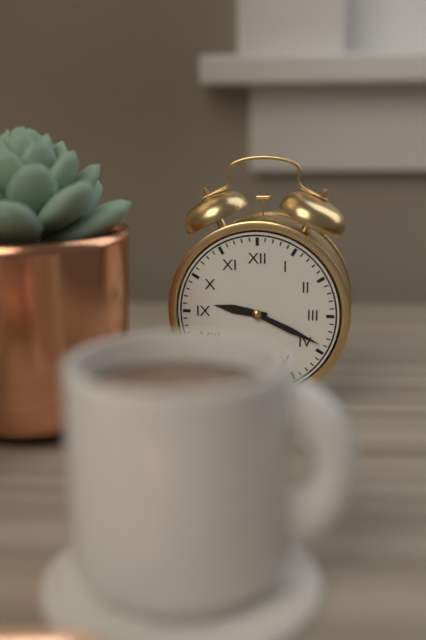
9:19
